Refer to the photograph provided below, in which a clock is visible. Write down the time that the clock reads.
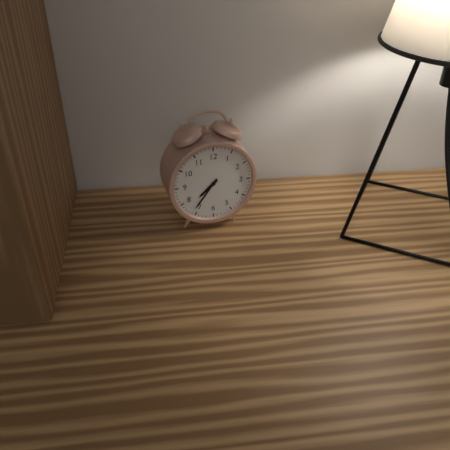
7:36
